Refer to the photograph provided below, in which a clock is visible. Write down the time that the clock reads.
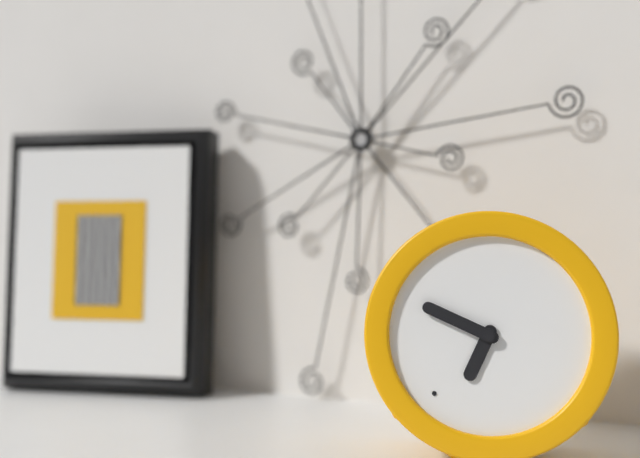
6:49
